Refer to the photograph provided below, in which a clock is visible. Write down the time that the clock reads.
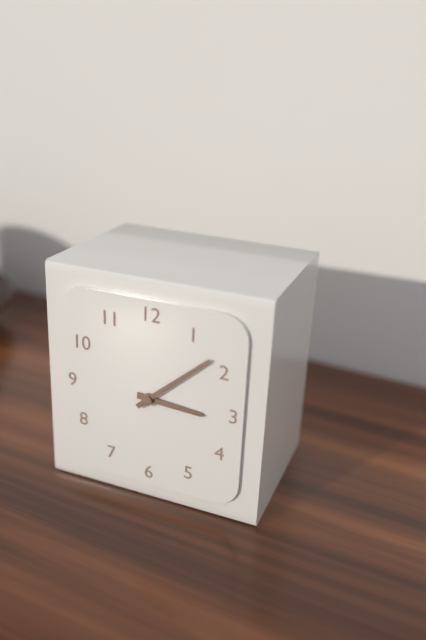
3:08
